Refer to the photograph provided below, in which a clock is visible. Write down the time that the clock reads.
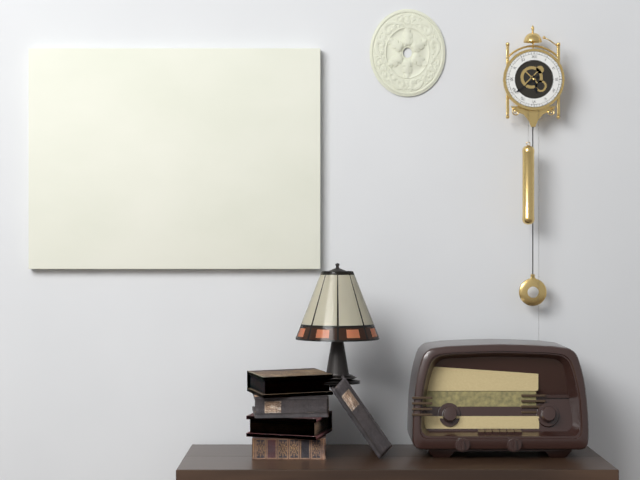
5:39
